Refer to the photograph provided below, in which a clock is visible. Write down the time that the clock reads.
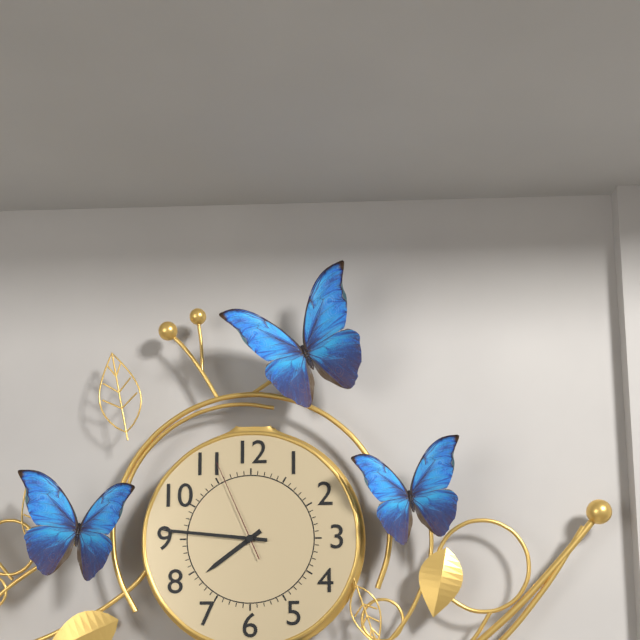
7:46:56
